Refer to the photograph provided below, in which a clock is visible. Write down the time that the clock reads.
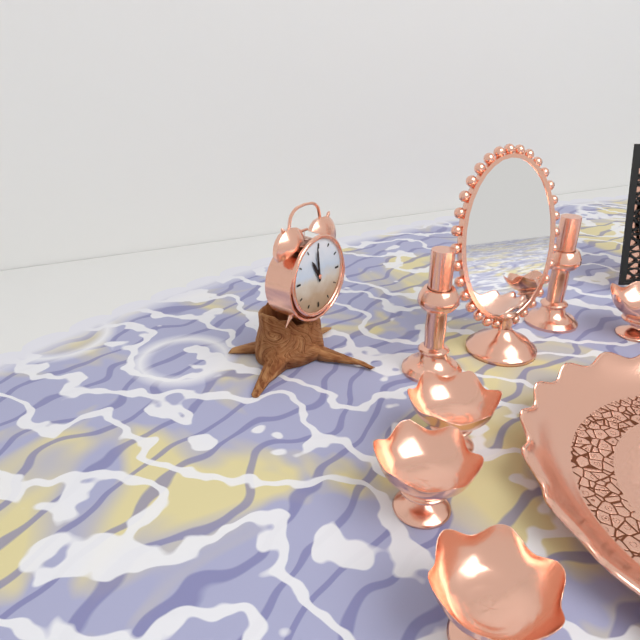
10:59
